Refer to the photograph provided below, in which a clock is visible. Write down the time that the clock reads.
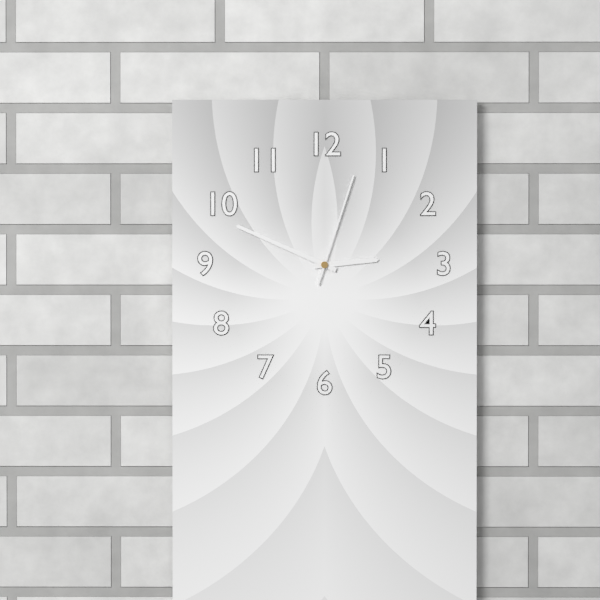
2:49:03
